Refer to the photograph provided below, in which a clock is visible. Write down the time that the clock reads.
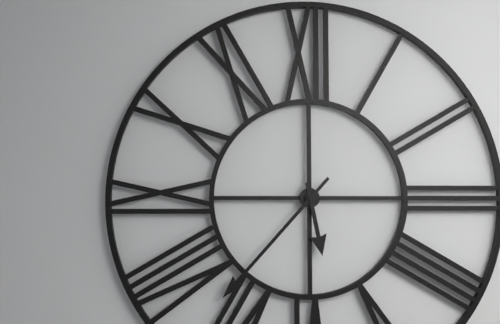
5:37
